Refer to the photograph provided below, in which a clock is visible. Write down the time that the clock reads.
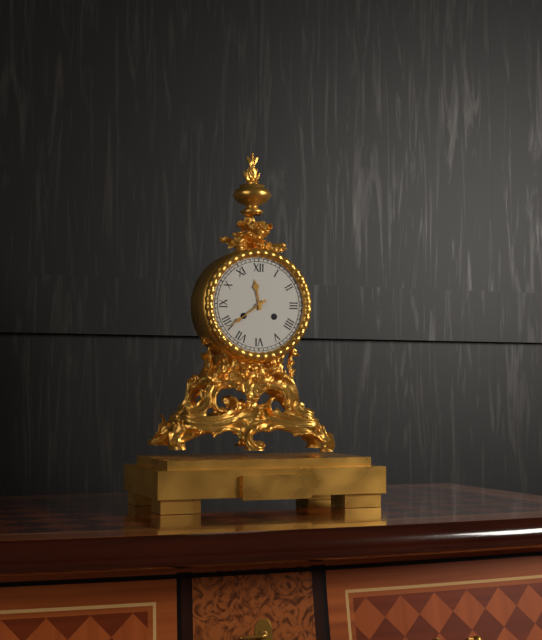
11:39
